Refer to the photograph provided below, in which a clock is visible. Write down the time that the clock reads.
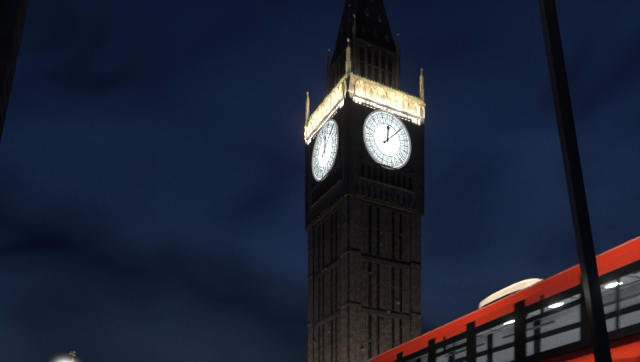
12:08
